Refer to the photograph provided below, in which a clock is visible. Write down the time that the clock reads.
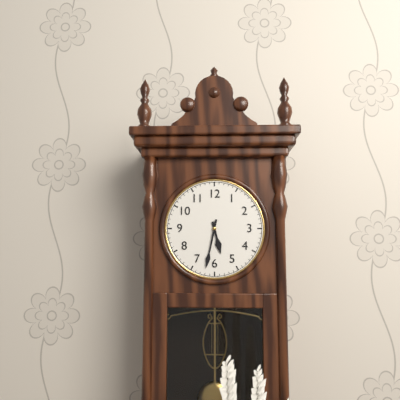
5:32
